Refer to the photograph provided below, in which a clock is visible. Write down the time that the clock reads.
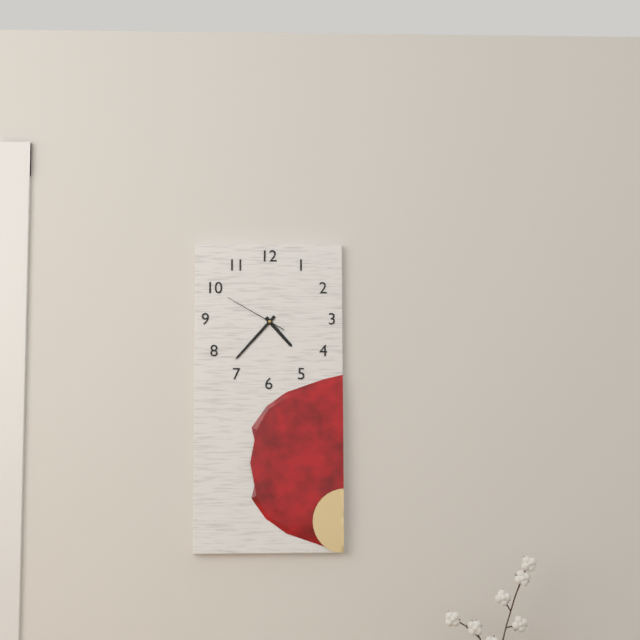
4:37:50
